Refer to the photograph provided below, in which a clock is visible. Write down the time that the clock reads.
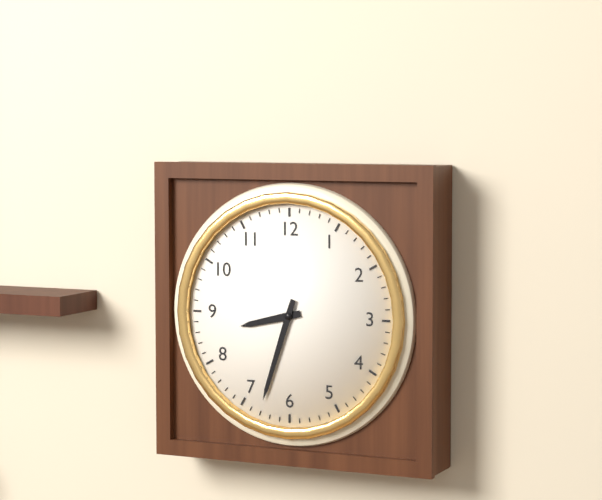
8:33
